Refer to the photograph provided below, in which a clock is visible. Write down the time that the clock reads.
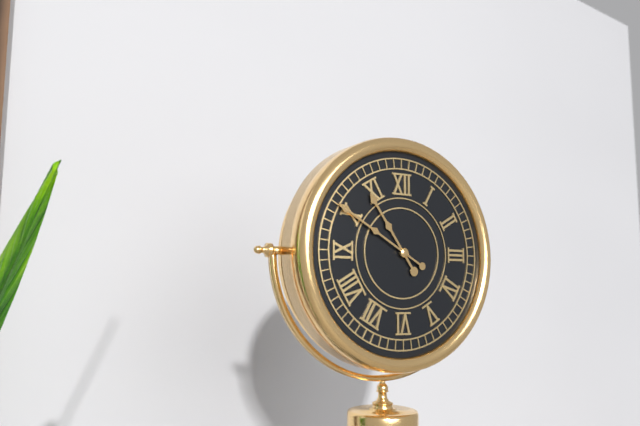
10:50
